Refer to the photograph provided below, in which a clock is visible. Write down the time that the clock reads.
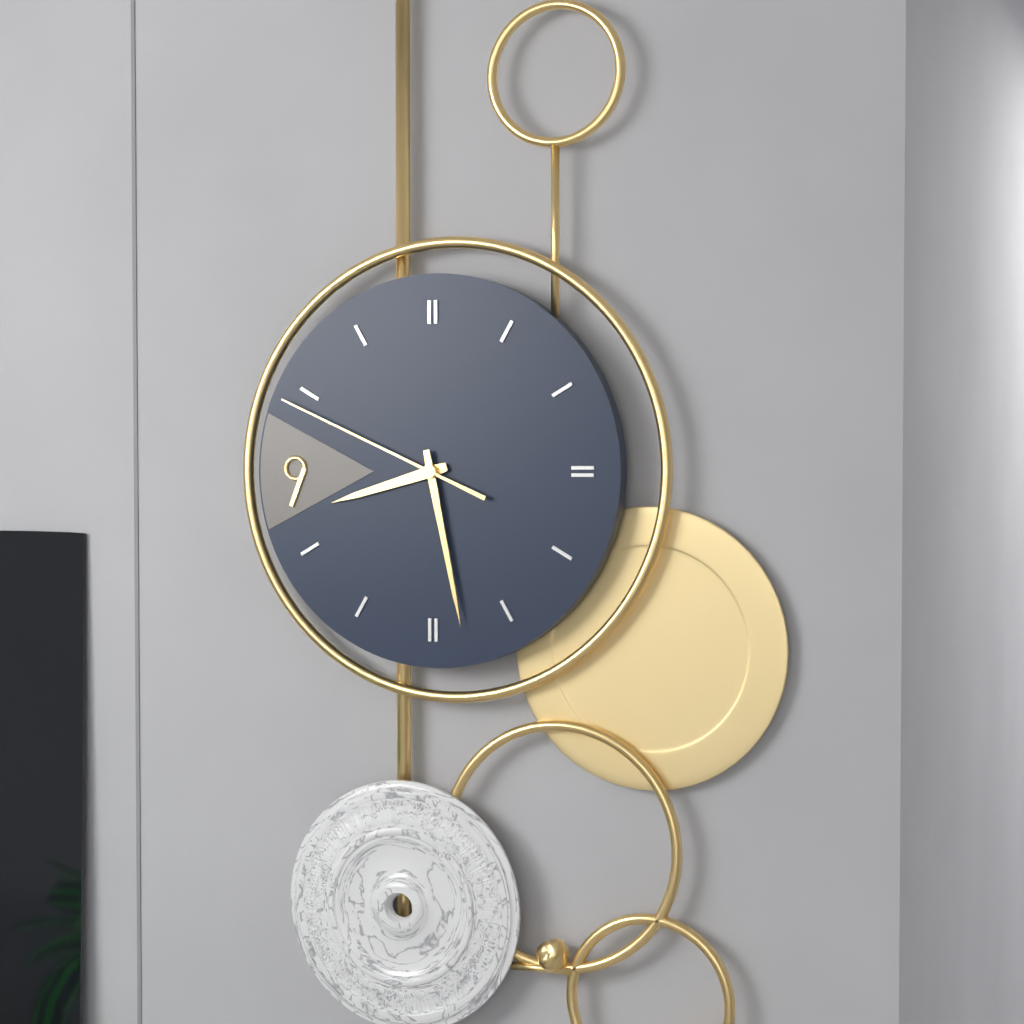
8:28:49
